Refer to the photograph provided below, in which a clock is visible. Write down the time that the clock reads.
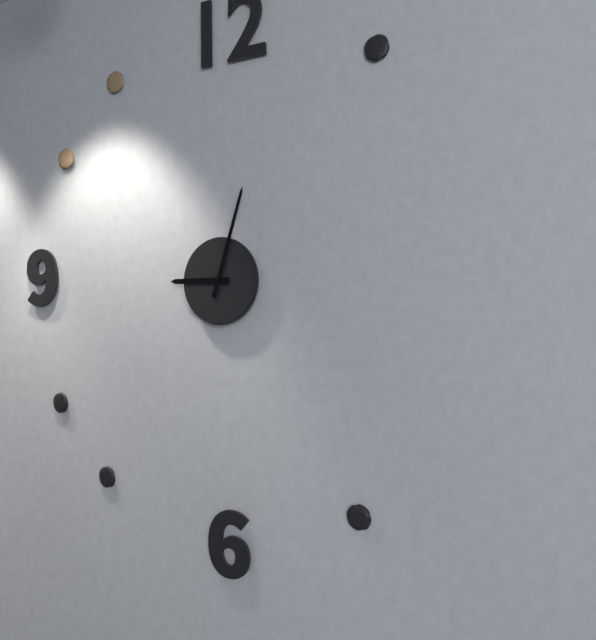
9:03
